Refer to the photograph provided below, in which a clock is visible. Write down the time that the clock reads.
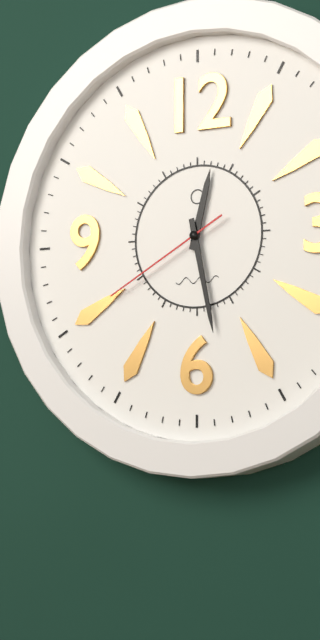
12:28:40
